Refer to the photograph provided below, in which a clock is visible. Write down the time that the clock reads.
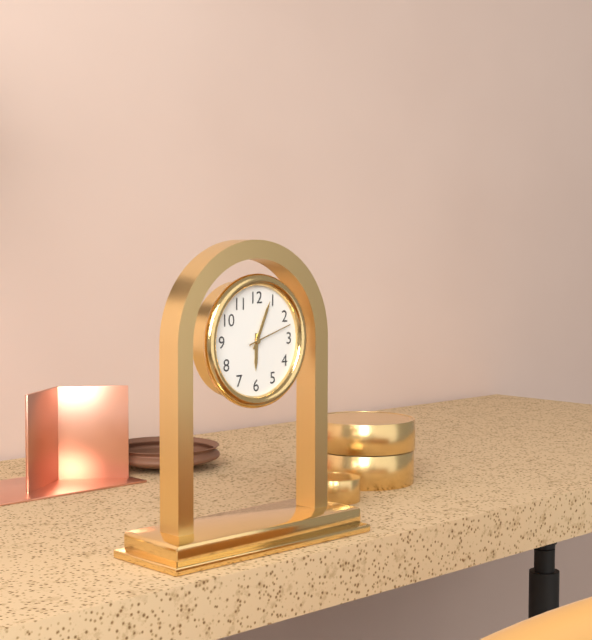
6:04
